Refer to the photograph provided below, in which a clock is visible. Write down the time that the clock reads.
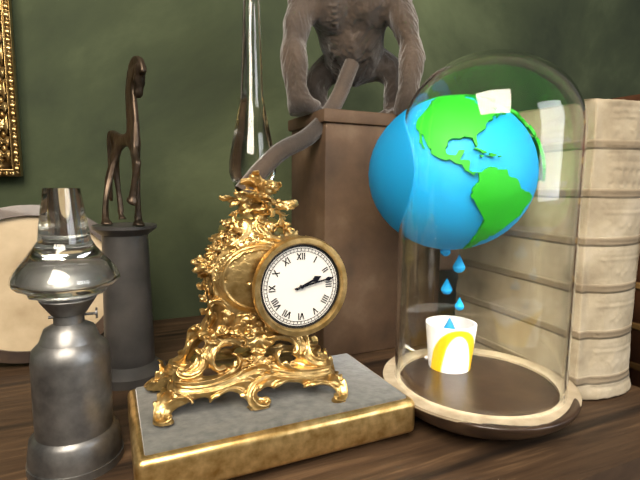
2:13
